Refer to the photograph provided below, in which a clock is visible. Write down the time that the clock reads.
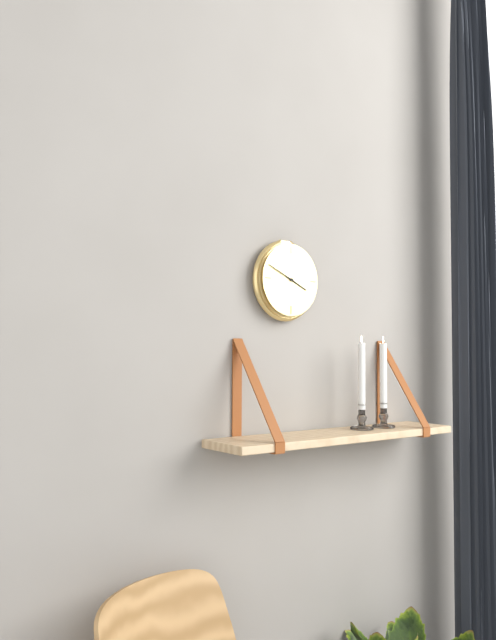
3:49
